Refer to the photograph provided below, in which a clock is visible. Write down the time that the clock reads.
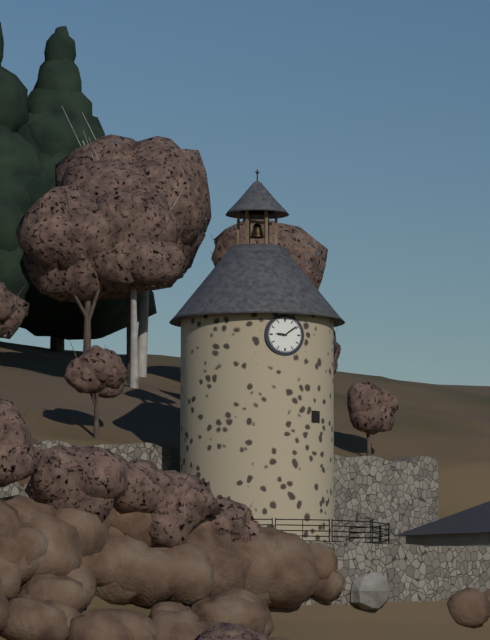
9:09
